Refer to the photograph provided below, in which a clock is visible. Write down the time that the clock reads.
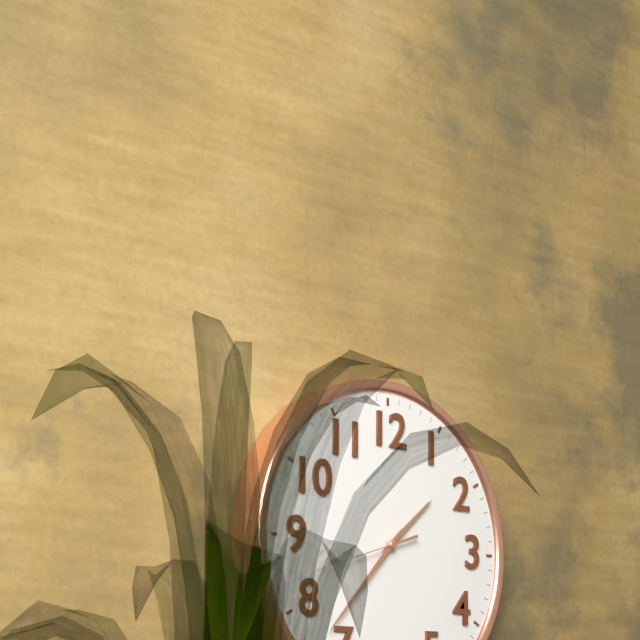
1:37
